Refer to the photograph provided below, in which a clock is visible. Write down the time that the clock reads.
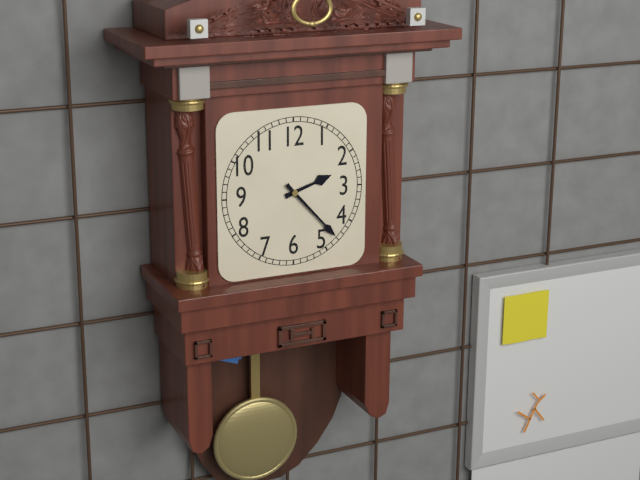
2:23
